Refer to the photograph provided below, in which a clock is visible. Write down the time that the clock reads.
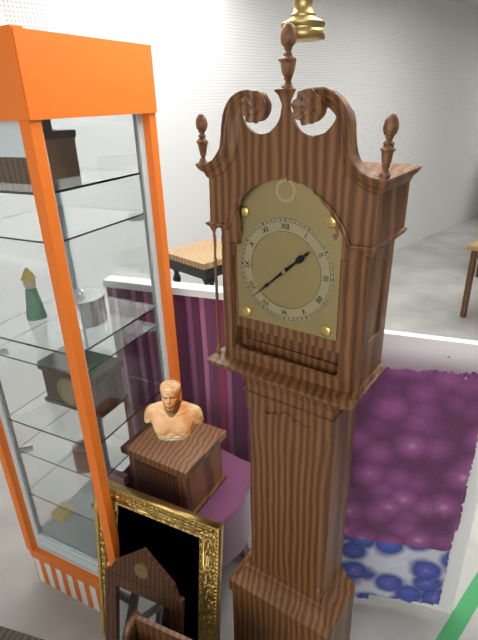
1:38
